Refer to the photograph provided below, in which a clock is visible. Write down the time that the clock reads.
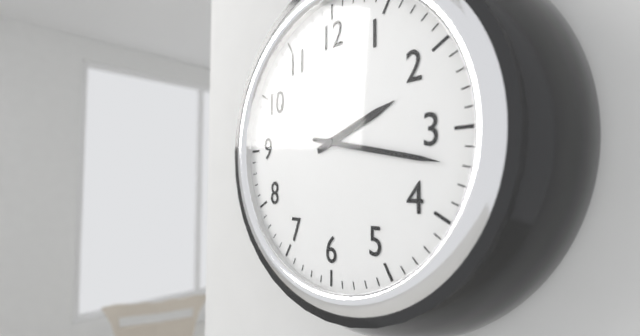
2:17
